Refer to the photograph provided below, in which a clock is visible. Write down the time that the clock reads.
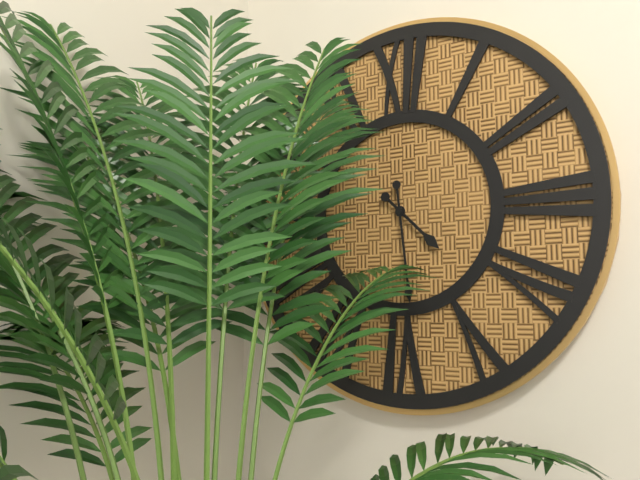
4:29
